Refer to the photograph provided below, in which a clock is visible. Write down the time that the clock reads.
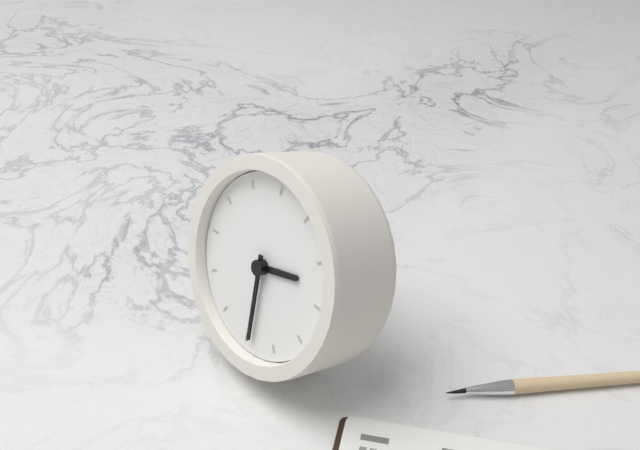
2:29
